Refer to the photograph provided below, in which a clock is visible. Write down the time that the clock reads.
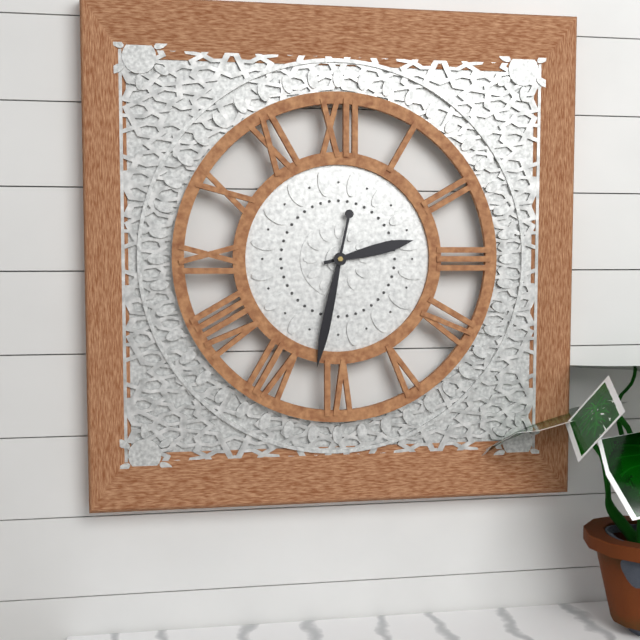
2:32
